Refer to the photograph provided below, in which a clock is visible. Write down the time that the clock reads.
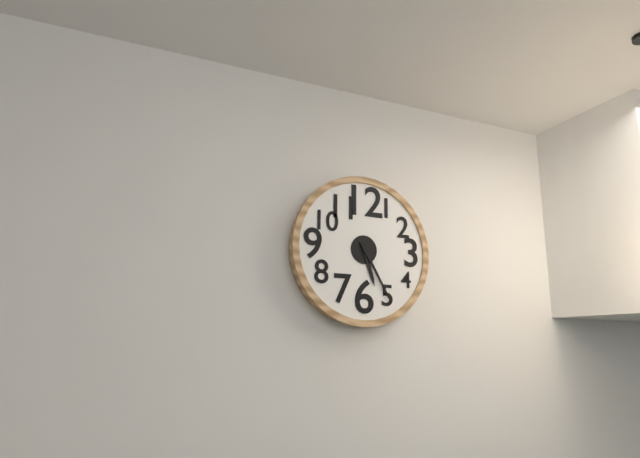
5:25
